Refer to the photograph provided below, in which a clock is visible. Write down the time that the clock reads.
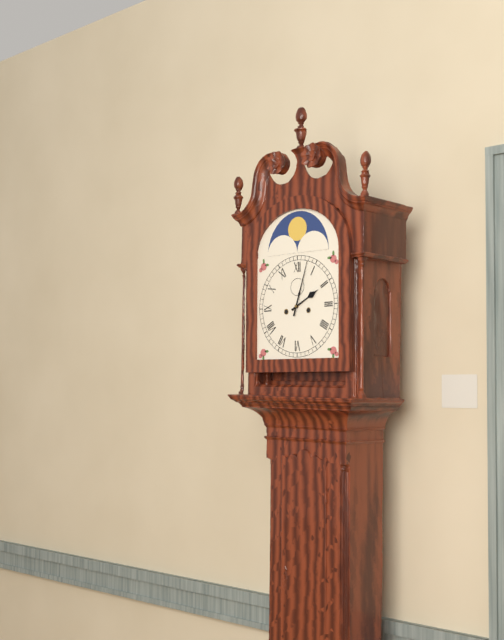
2:03
